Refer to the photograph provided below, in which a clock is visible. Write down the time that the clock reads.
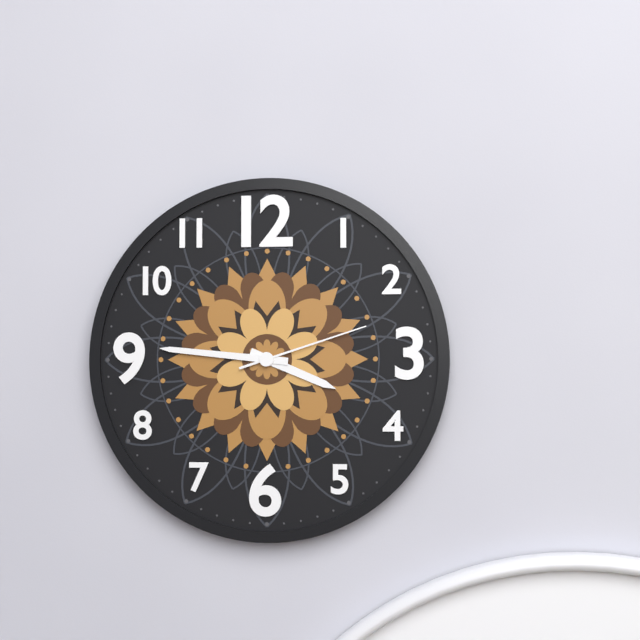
3:46:12
